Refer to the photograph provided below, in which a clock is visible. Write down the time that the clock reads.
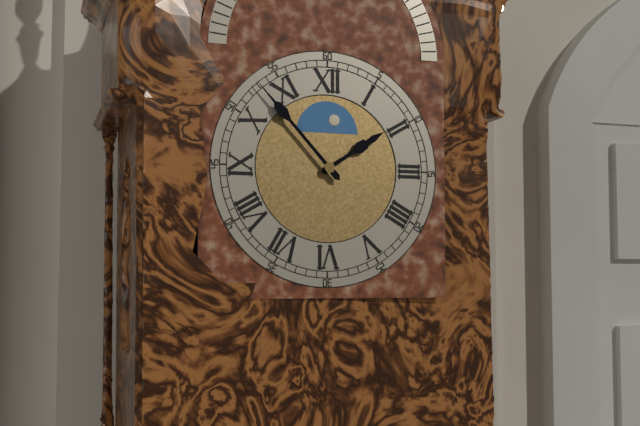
1:53
